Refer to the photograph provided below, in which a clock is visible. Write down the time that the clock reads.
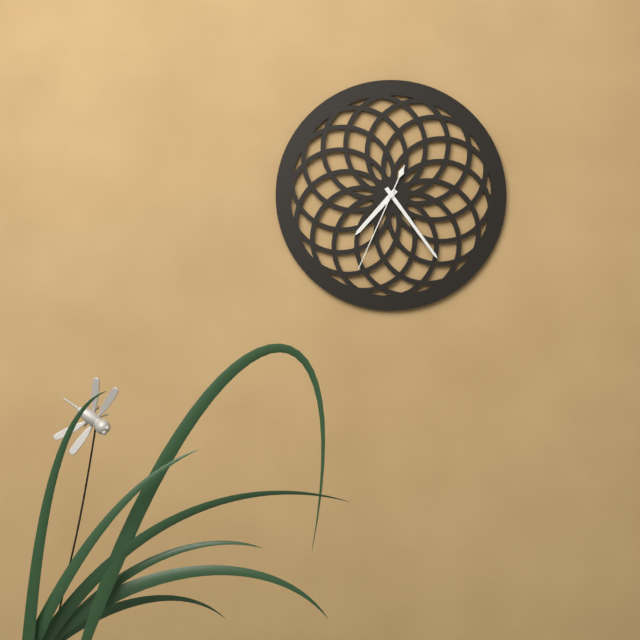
7:24:34
